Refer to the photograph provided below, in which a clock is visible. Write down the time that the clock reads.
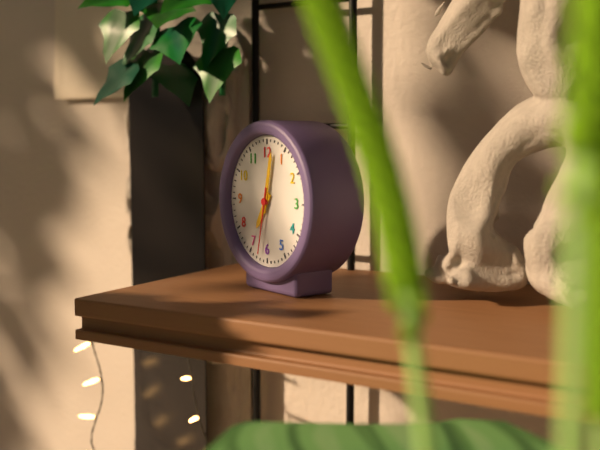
7:02:32
